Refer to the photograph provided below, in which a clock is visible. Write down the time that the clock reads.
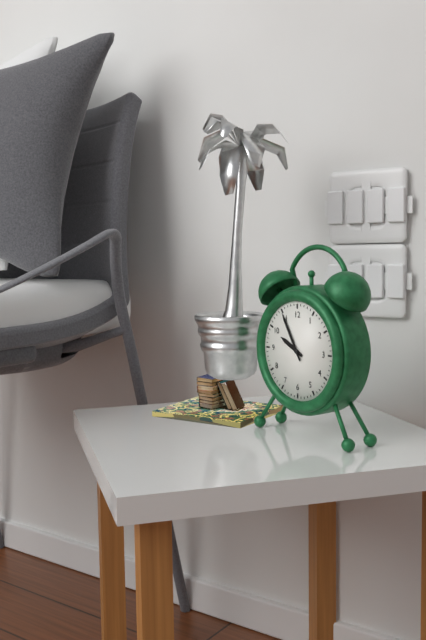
9:55
